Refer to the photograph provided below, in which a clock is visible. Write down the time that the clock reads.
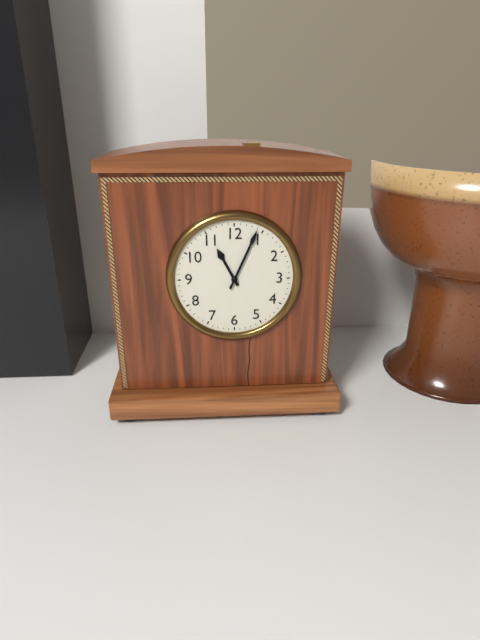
11:04
